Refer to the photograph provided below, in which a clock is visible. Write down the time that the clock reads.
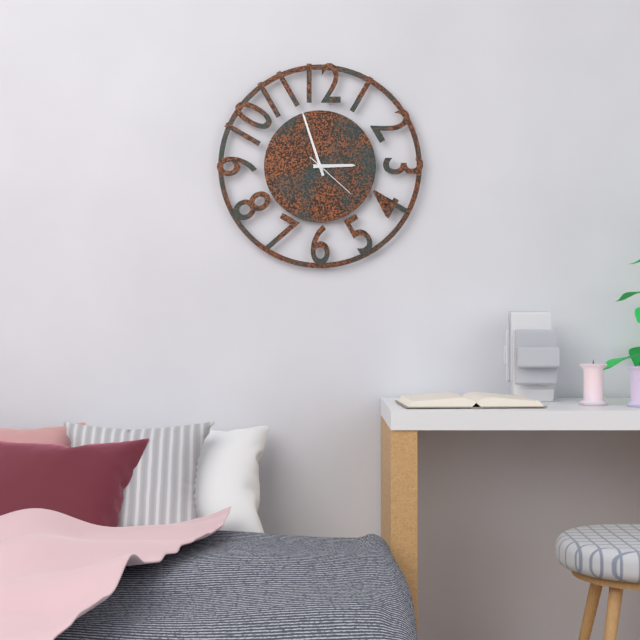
2:57:22
